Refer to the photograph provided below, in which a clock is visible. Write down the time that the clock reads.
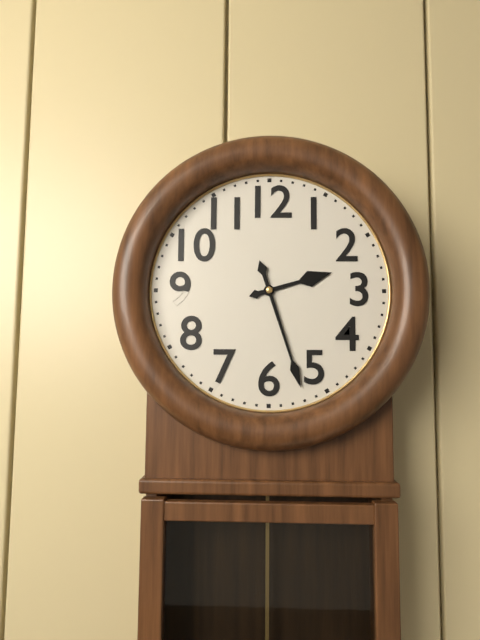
2:27
